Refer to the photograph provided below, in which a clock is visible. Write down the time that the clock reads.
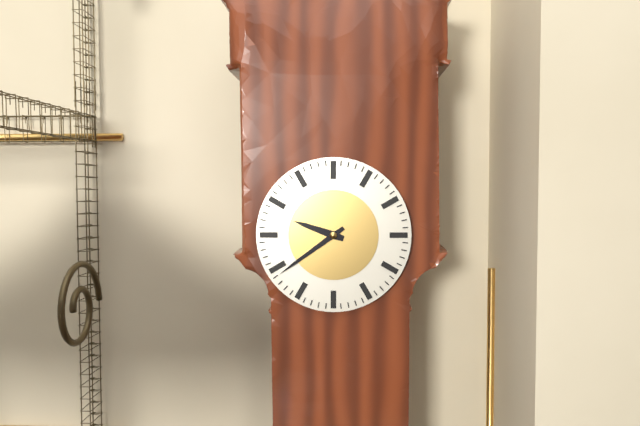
9:39
